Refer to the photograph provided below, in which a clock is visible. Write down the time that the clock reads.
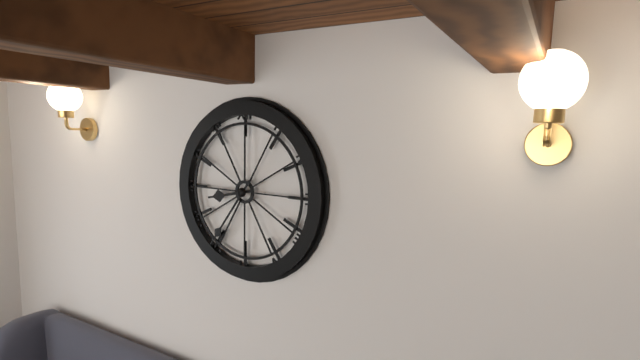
8:36
